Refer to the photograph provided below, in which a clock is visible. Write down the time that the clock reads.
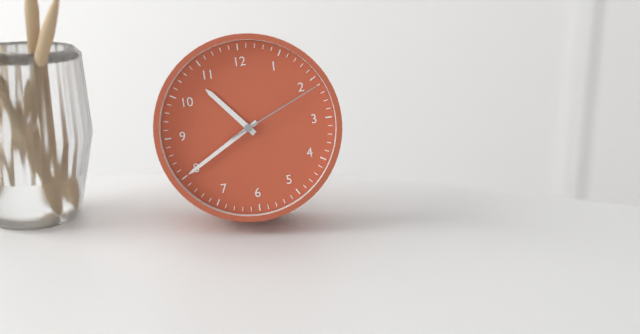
10:40:11
